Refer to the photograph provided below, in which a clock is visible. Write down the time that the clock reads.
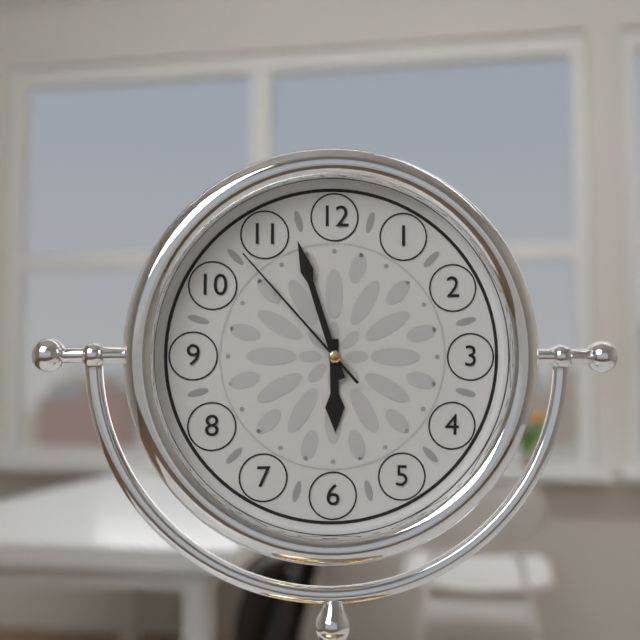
5:57:53
